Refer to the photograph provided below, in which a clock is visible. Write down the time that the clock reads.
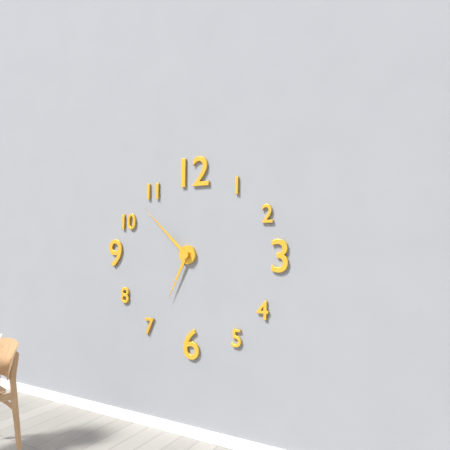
6:52
